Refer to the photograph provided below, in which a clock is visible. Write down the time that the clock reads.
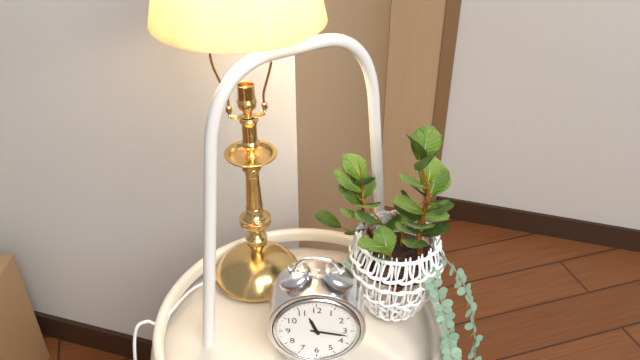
11:17
